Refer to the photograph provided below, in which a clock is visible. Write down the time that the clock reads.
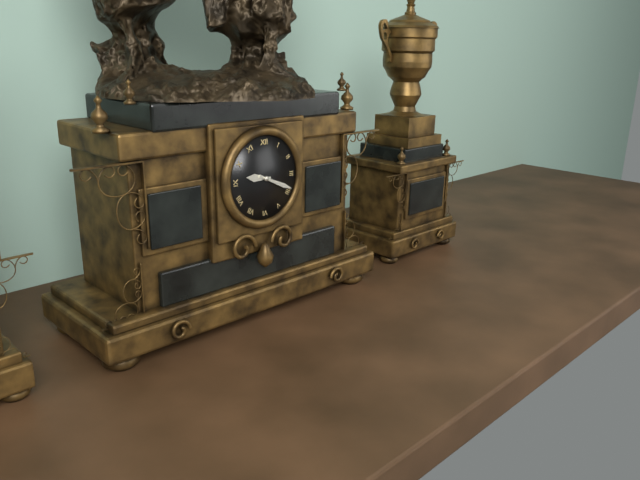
9:19
